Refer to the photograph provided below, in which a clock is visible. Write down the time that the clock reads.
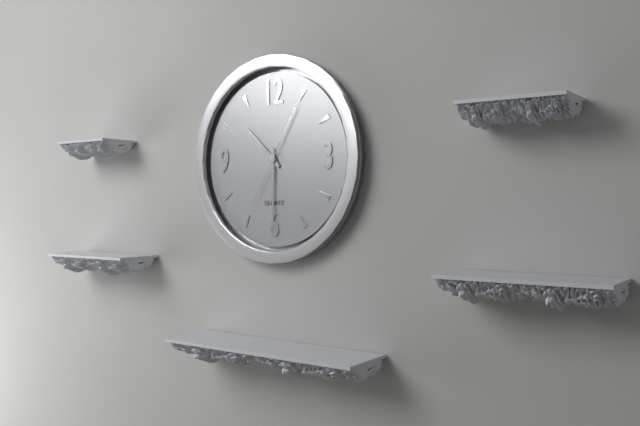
10:30:05
